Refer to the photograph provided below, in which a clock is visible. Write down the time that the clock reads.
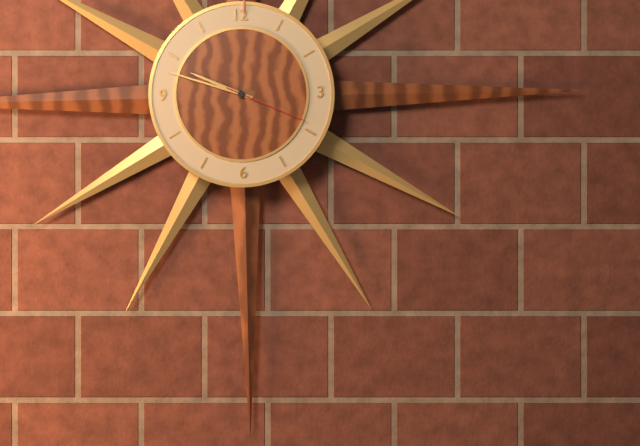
9:48:19
